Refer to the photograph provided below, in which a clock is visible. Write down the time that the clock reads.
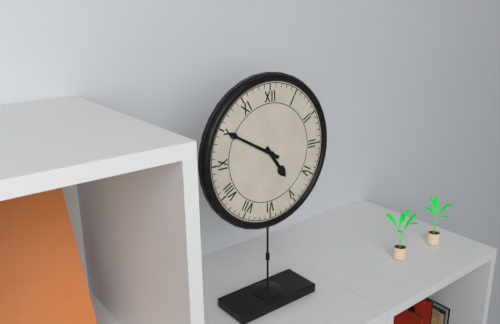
4:50
